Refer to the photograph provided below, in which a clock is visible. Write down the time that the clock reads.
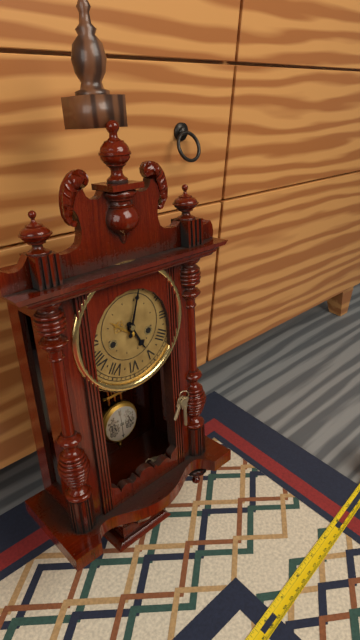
5:03
